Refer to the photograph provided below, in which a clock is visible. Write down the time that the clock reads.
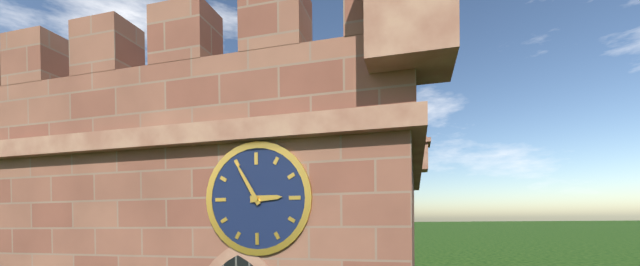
2:55
